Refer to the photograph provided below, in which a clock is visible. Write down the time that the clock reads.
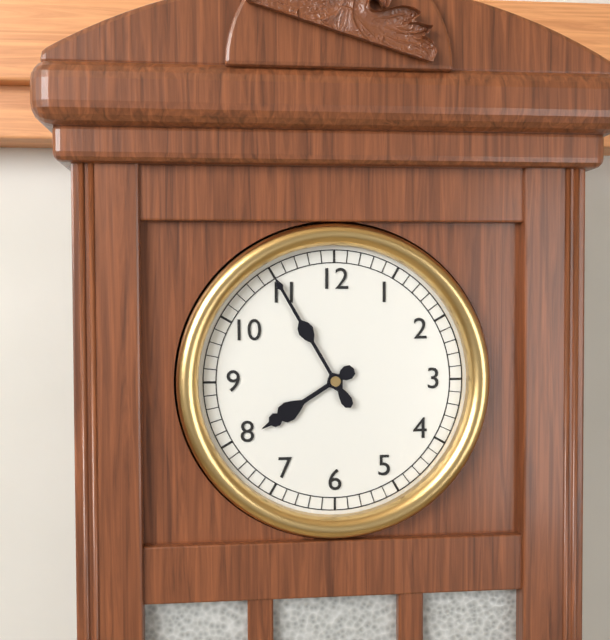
7:55
